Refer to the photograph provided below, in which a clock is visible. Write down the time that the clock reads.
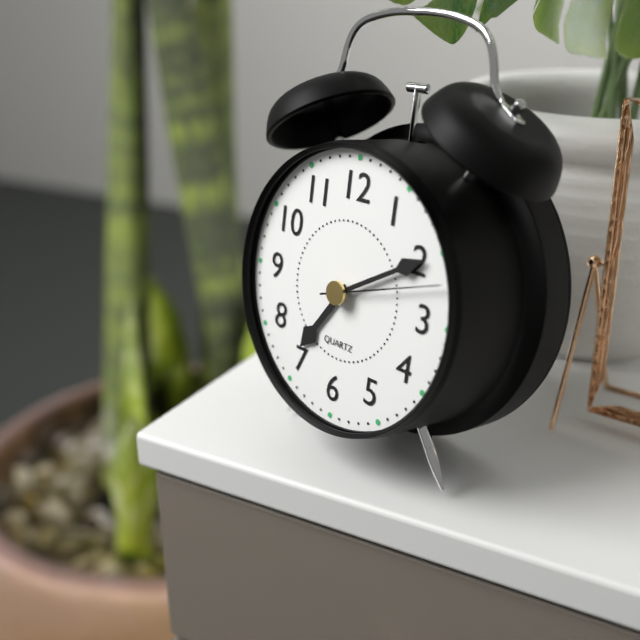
7:10:12
